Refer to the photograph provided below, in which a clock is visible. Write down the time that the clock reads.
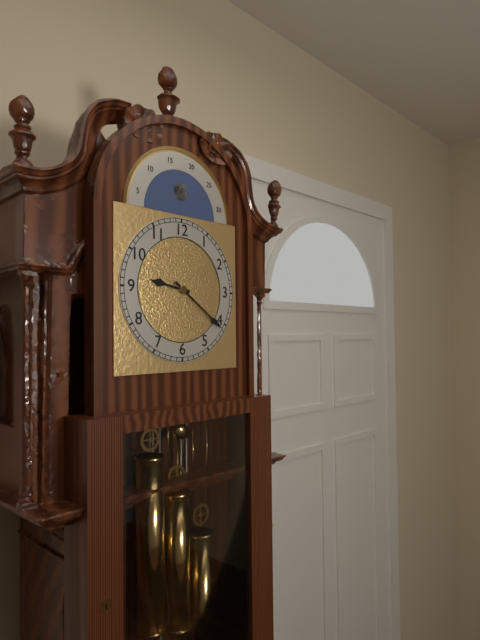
9:21
